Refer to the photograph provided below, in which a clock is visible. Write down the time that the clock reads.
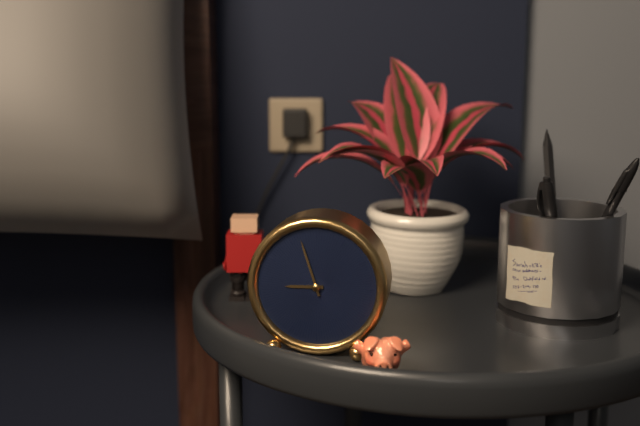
8:57
